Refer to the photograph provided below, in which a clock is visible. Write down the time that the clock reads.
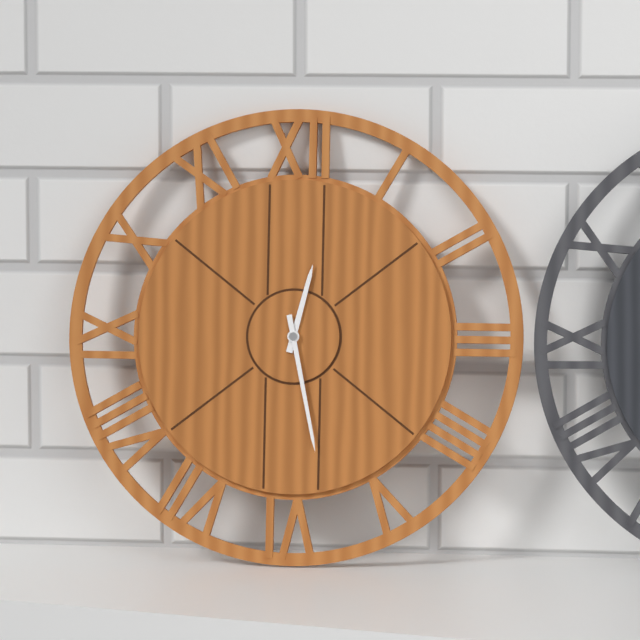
12:28
